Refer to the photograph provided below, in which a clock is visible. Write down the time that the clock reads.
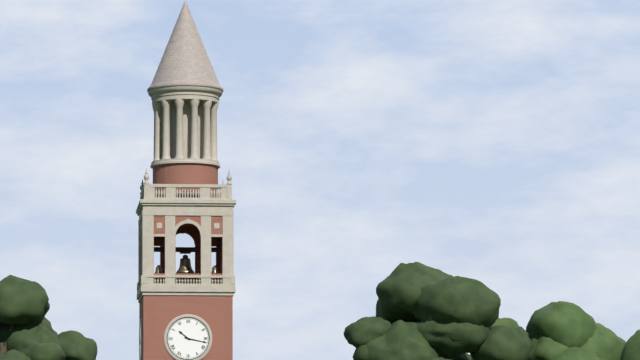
10:17
